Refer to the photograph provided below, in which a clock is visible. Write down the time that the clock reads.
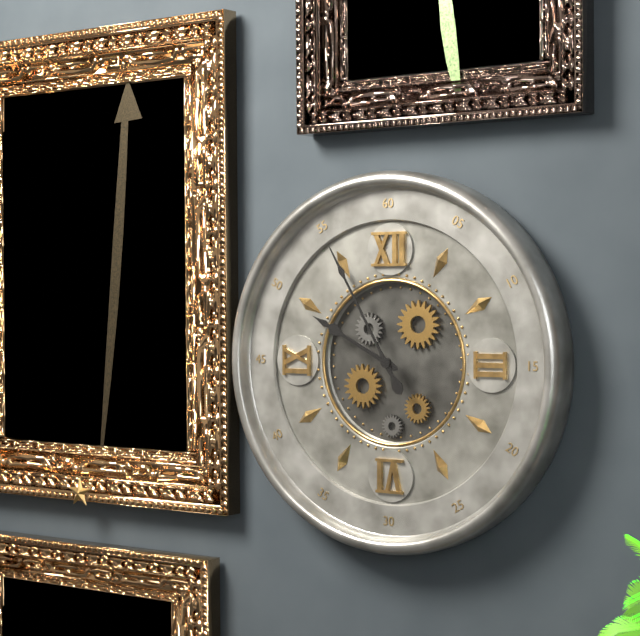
9:55
